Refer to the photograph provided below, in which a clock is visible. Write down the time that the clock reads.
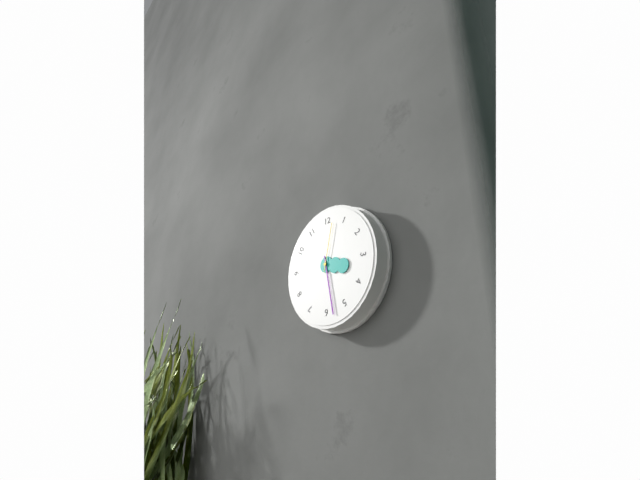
3:28:02
